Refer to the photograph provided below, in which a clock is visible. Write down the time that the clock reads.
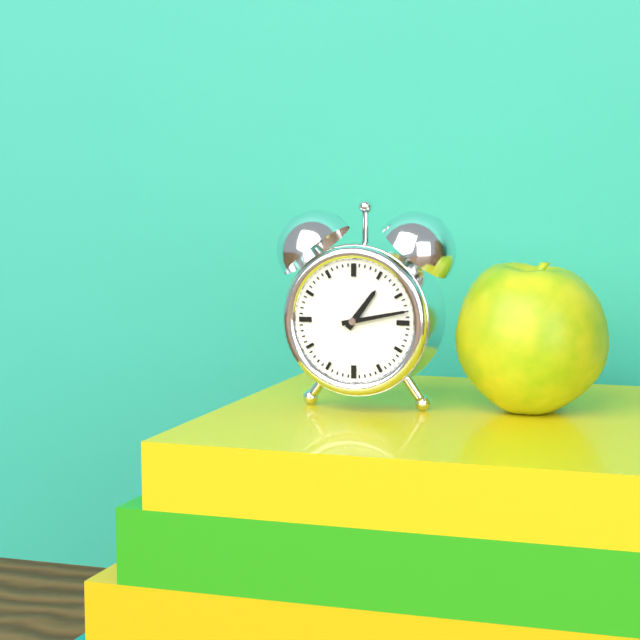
1:13
